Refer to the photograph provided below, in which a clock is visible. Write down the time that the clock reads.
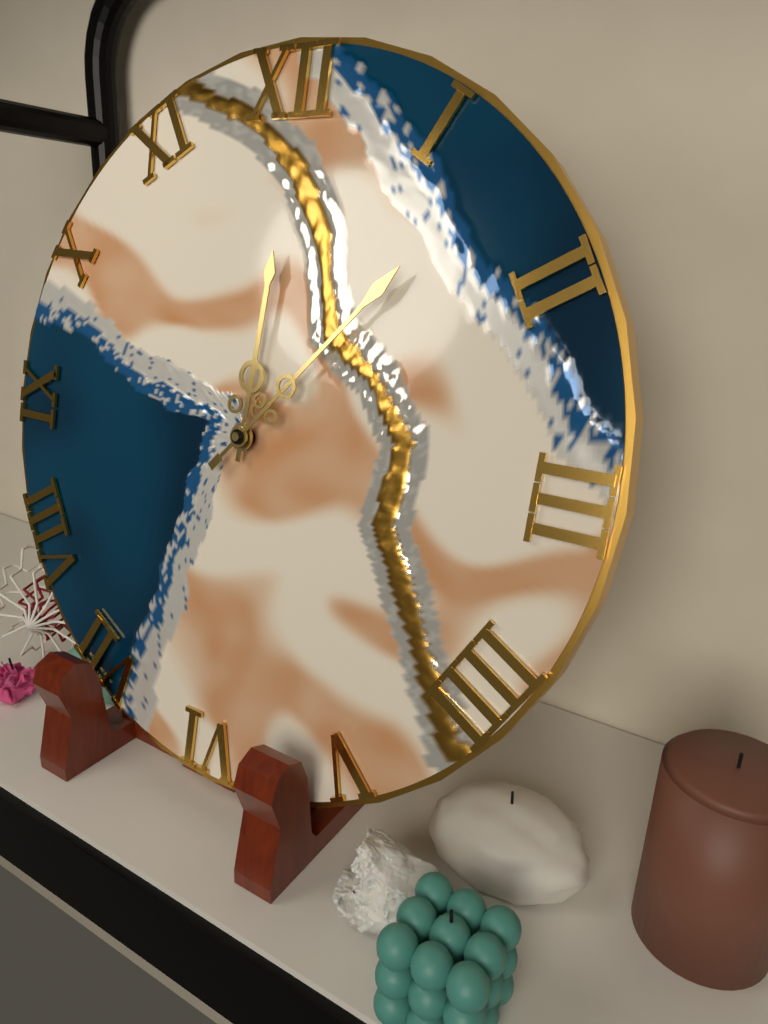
12:07
